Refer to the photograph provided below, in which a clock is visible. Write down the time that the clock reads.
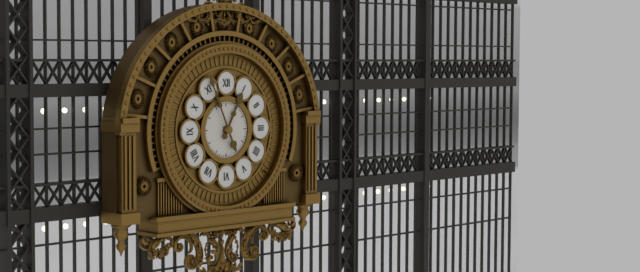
12:56
